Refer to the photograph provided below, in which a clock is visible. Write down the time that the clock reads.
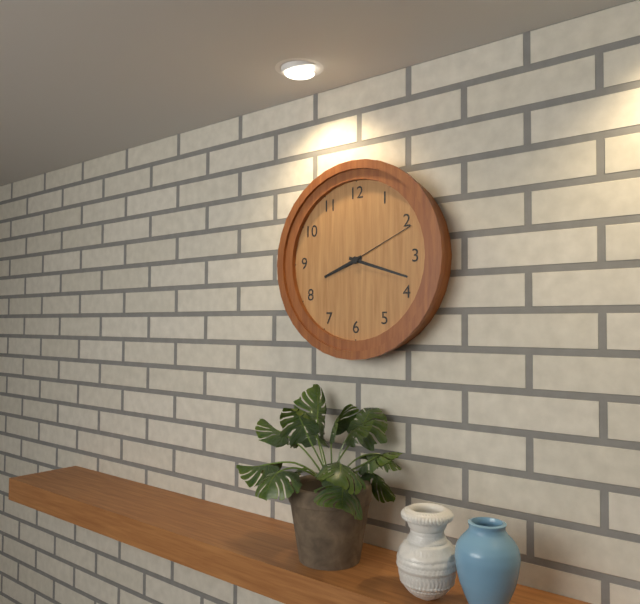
8:18:11
